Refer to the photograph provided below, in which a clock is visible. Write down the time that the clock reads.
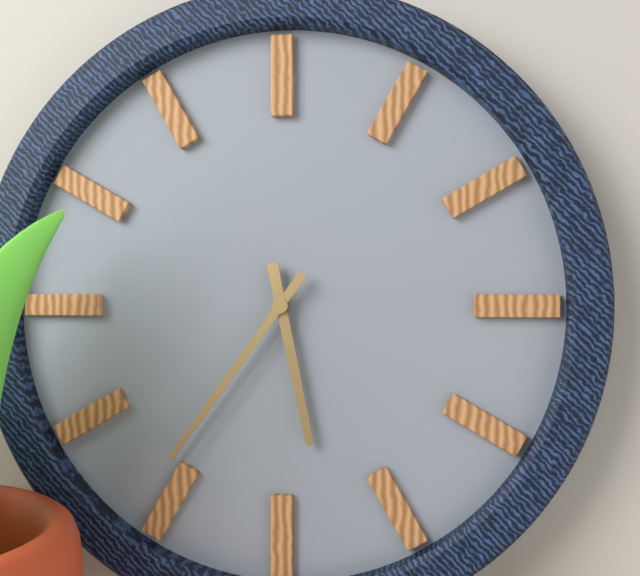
5:36
